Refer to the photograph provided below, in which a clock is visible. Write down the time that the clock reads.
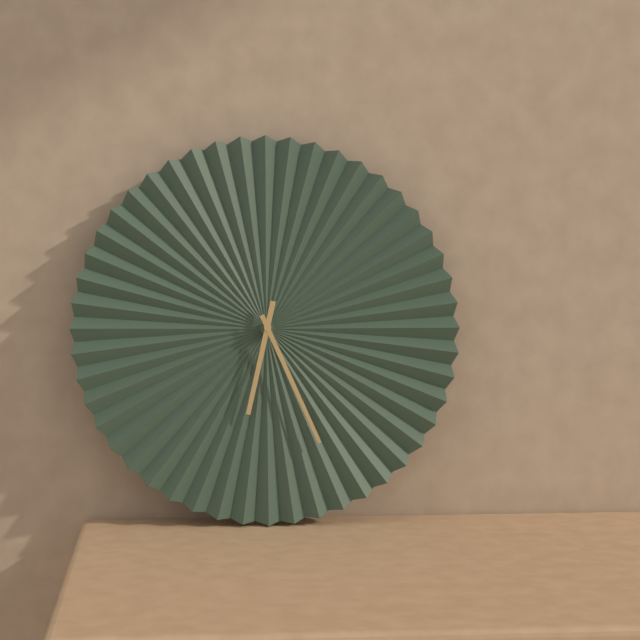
6:26
